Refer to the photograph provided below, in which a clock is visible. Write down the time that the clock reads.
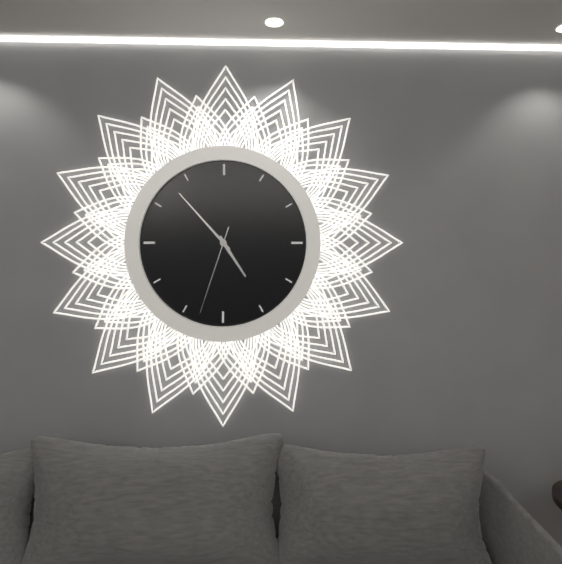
4:53:33
